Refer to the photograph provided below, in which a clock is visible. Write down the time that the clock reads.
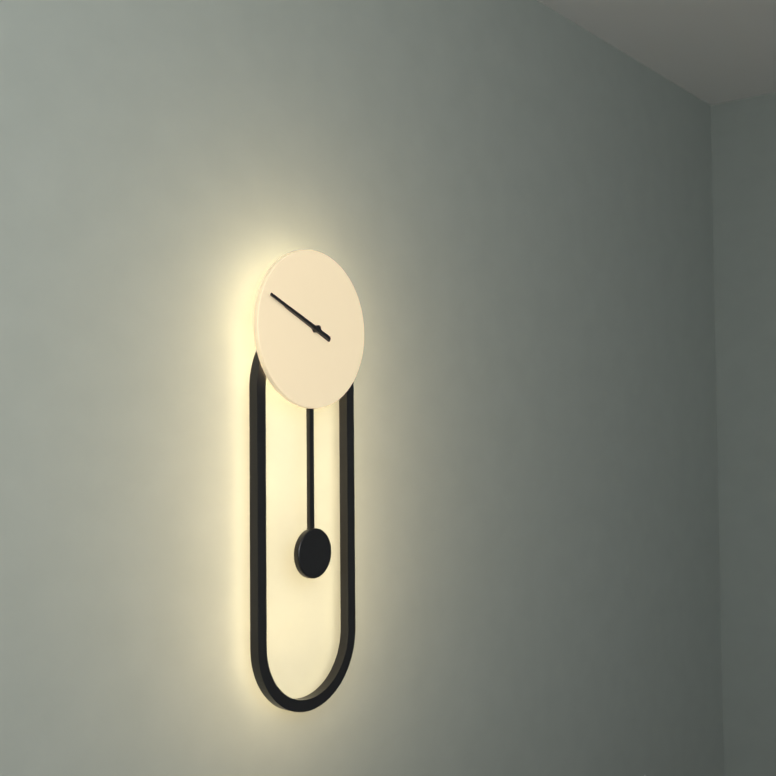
9:49
